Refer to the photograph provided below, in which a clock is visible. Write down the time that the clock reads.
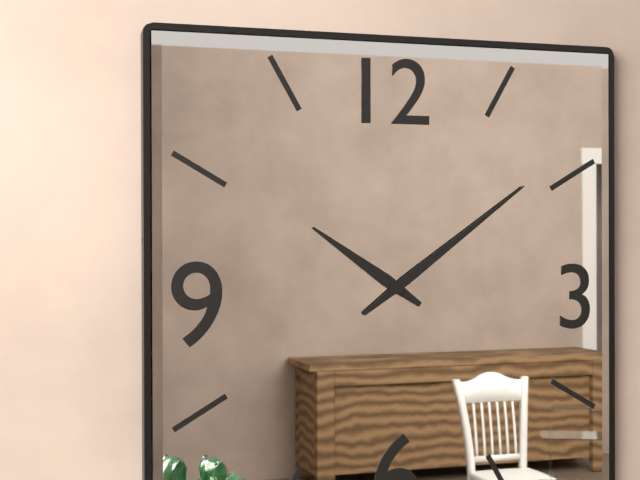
10:09
